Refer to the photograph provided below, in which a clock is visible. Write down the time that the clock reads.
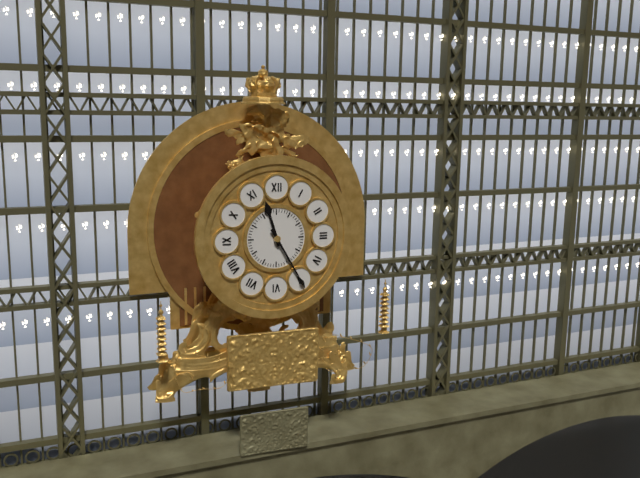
11:25
